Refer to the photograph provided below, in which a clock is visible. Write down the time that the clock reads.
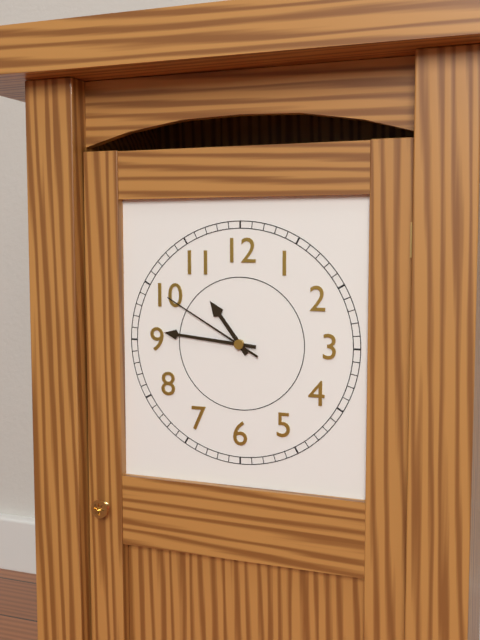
10:46:50
